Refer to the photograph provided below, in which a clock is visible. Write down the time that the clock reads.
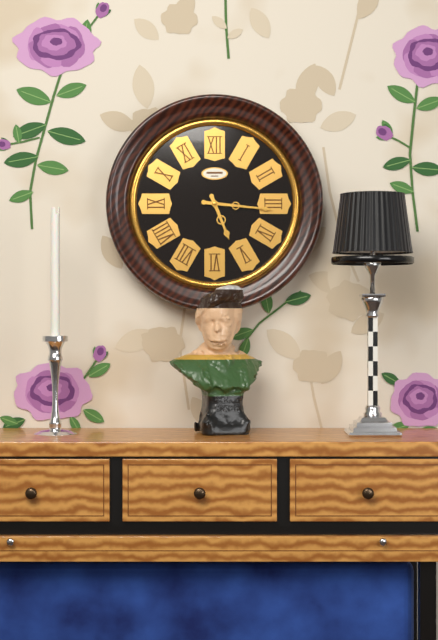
5:16
